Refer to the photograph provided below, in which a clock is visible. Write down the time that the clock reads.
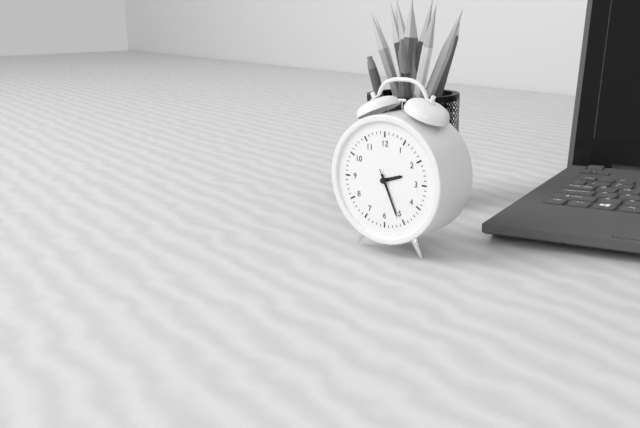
2:26:26
